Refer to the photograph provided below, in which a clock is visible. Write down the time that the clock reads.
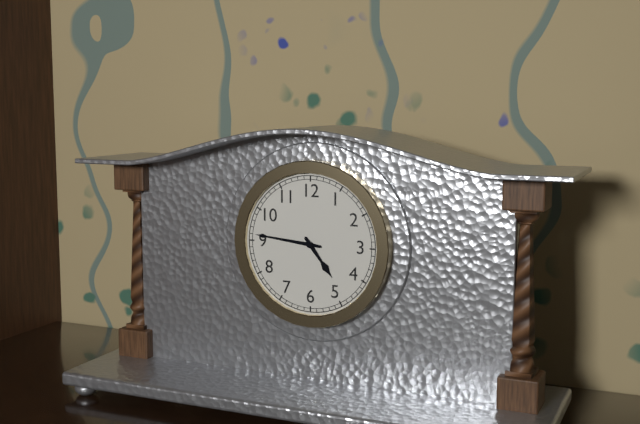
4:46
